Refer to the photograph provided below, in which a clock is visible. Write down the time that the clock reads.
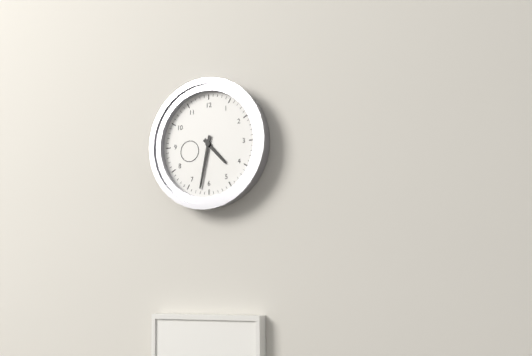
4:32
